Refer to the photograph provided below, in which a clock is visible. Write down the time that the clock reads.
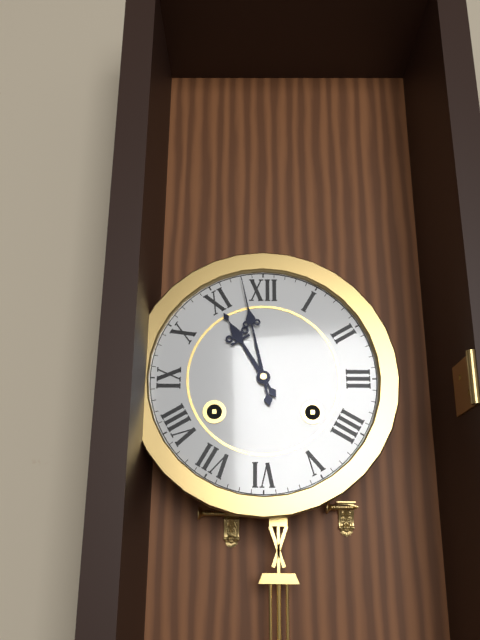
10:58
